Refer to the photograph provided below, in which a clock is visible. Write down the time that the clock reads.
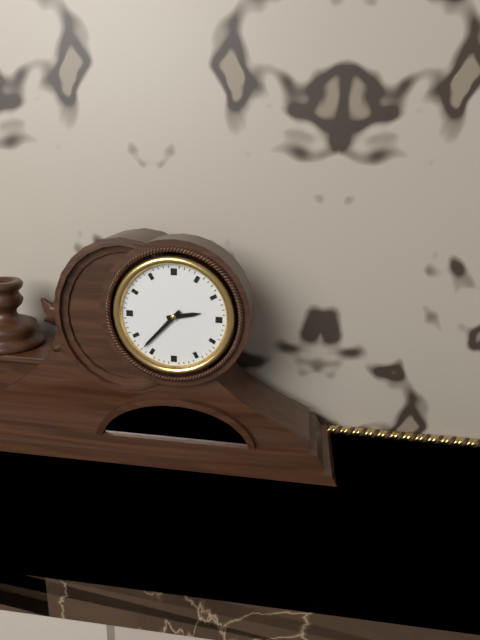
2:37
